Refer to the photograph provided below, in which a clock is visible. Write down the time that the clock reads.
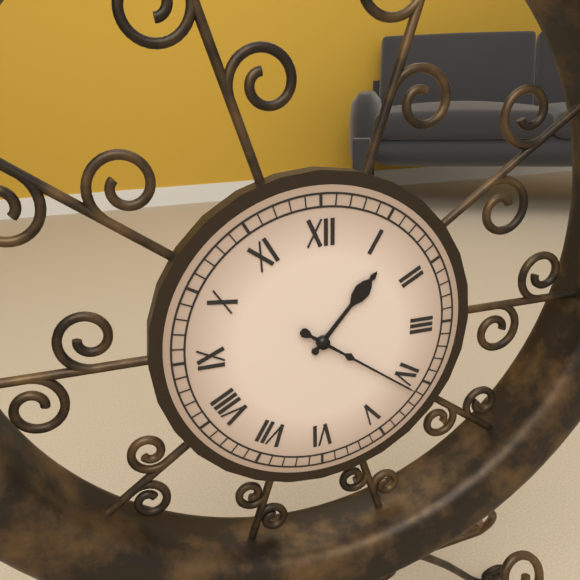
1:21
